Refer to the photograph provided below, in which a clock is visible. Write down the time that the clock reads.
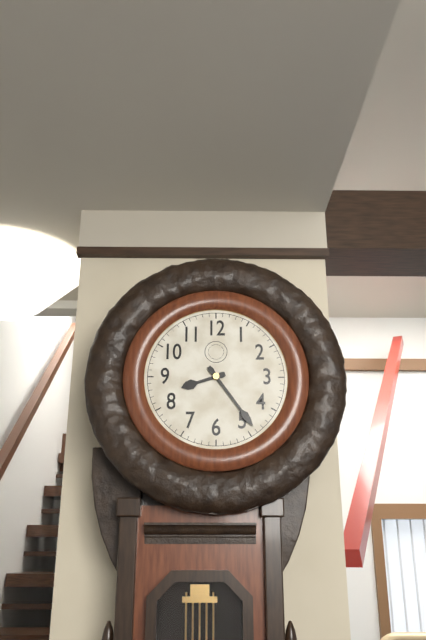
8:24
